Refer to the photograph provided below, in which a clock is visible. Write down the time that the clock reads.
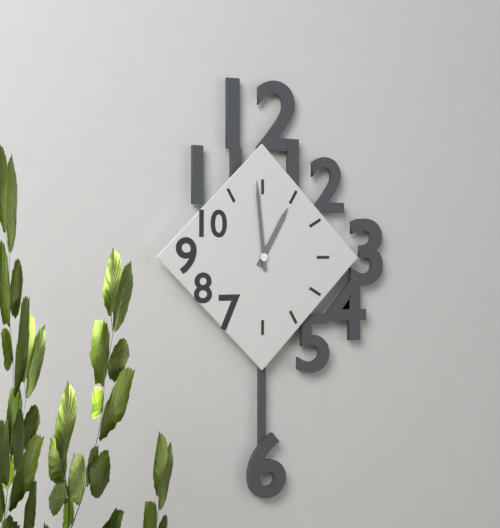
12:59
